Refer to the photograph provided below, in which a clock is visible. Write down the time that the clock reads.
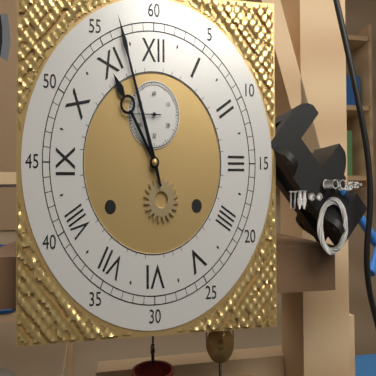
10:57
